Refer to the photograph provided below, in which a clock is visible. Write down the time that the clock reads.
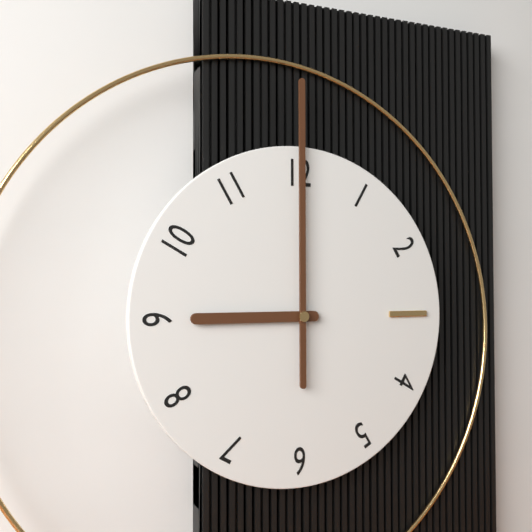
9:00
